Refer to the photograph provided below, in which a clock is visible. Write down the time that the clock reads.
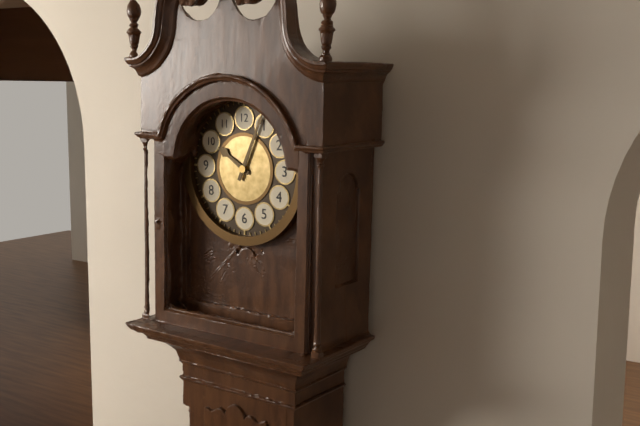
10:04
